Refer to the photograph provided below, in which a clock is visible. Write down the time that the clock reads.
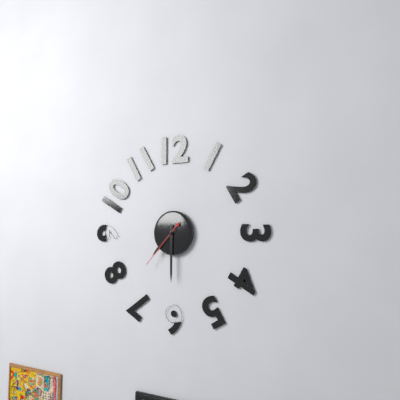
7:30
